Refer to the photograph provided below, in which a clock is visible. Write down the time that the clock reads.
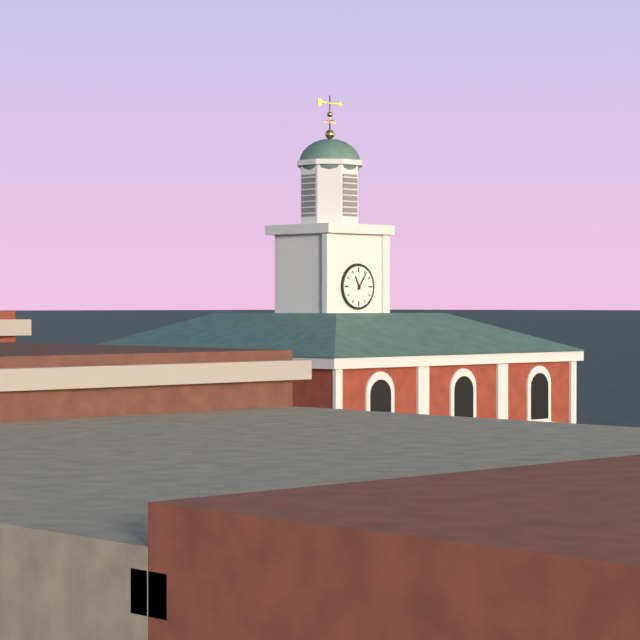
11:06
